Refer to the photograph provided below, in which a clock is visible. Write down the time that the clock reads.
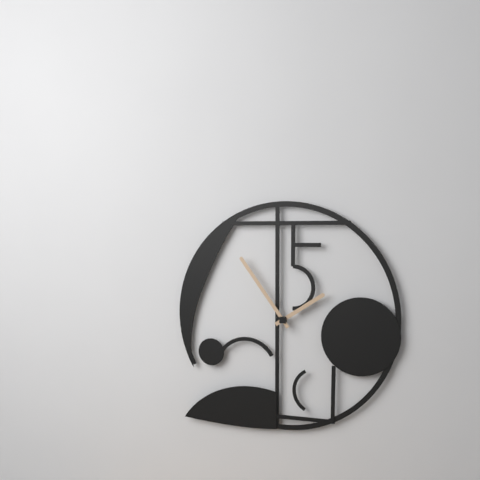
1:54
